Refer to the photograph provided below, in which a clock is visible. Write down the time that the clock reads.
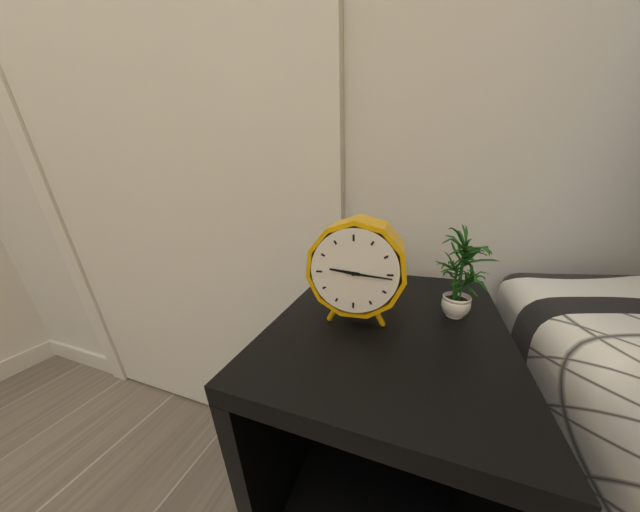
9:16
